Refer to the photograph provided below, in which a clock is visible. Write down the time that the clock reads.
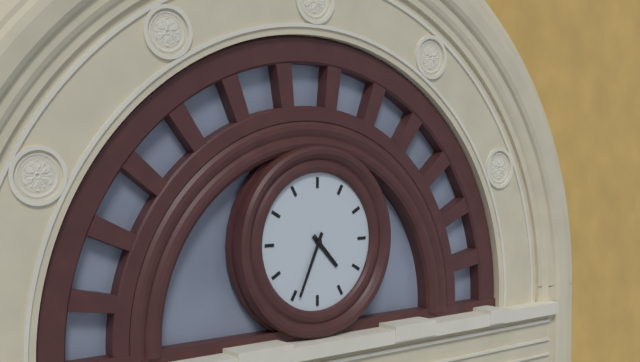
4:34
